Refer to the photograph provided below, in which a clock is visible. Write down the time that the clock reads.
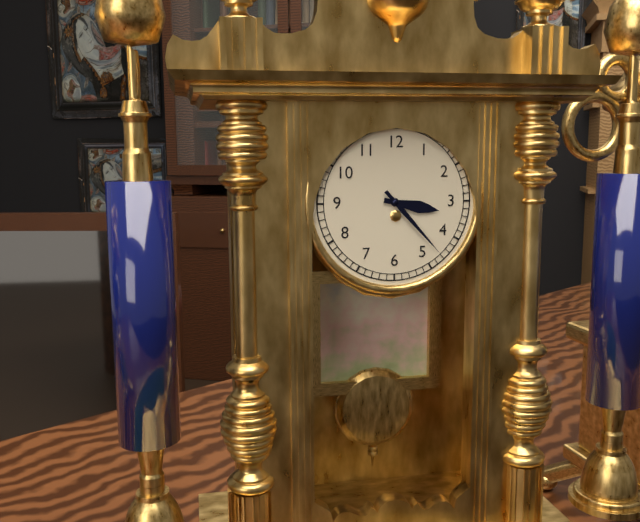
3:23
